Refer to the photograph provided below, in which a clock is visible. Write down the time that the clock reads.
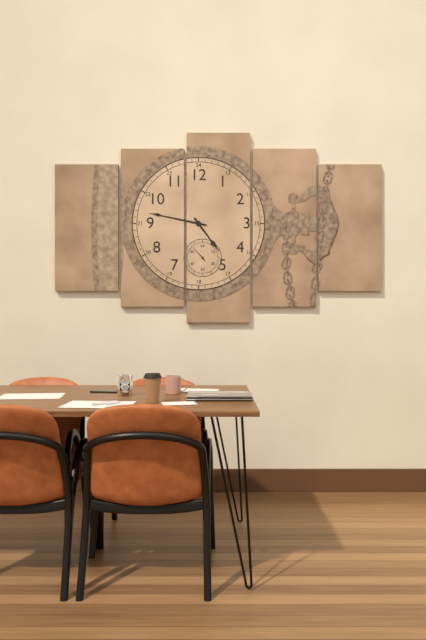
4:47
